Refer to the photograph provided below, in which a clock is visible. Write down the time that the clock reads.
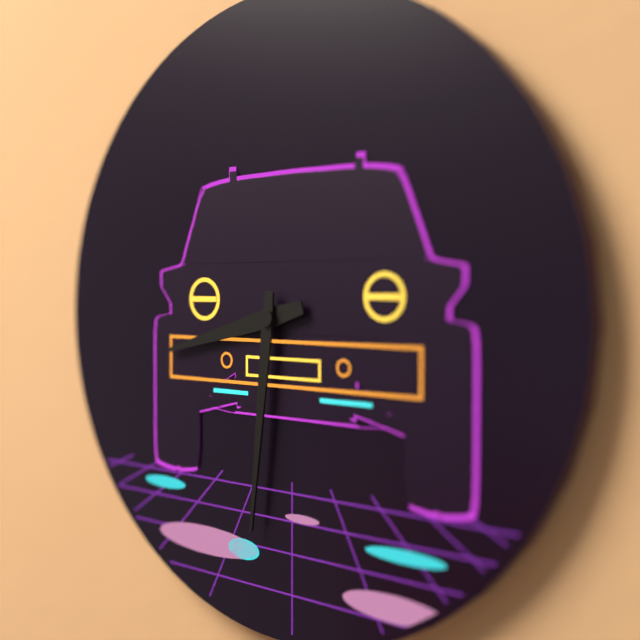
8:31
